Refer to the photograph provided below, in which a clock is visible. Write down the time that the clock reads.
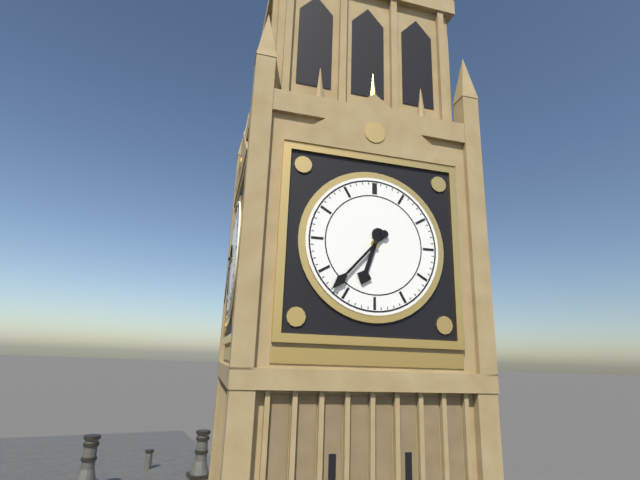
6:37
